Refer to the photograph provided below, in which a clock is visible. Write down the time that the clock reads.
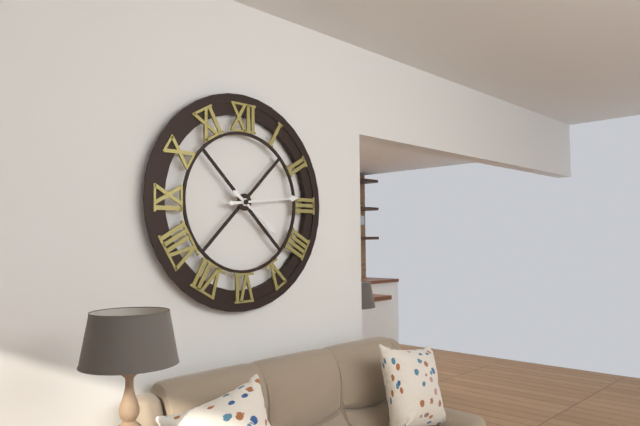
4:14
